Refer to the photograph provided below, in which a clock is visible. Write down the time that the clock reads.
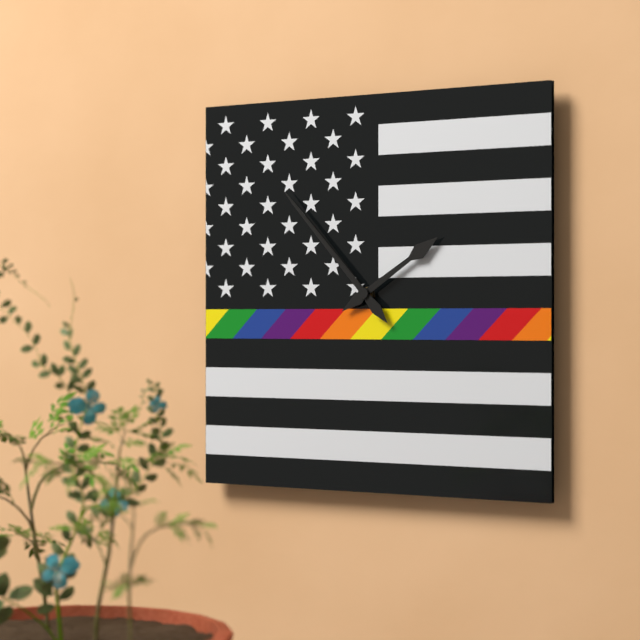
1:53
